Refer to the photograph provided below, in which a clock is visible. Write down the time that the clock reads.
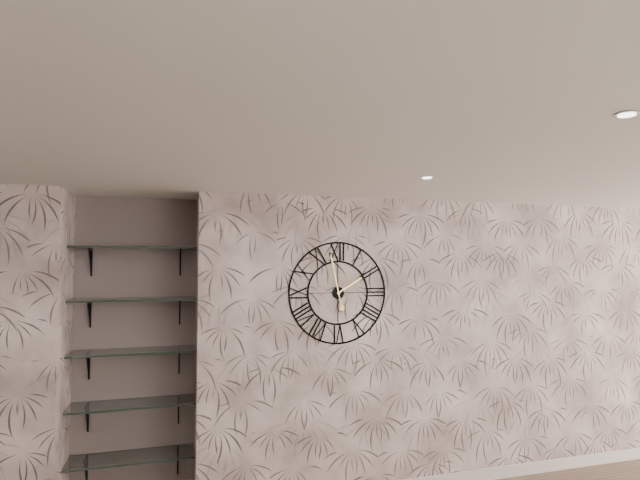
1:58
